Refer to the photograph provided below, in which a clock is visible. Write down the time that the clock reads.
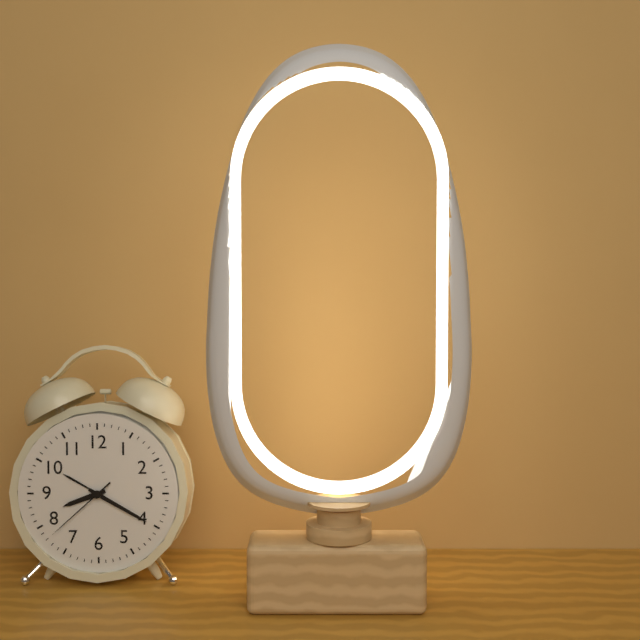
8:20:38
